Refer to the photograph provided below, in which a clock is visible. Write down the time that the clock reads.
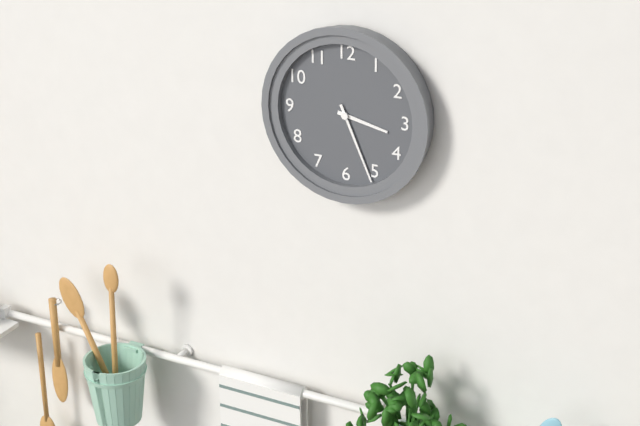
3:26
